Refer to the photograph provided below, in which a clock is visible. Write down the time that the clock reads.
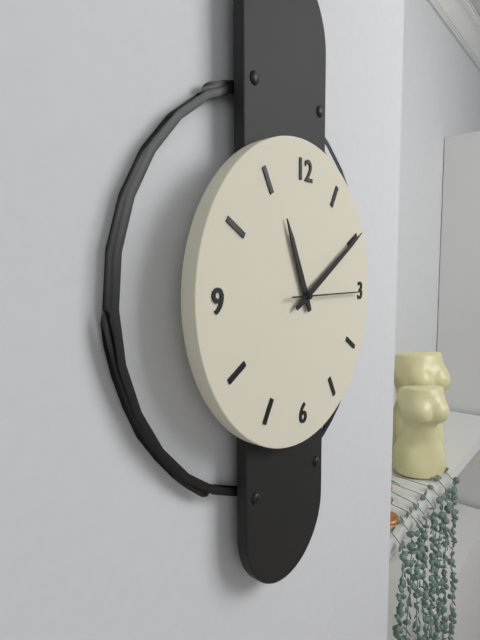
11:10:15
